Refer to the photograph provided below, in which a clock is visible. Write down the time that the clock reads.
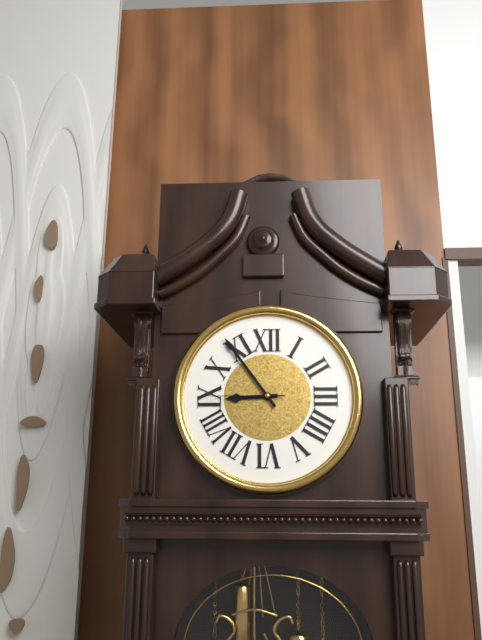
8:54:45
